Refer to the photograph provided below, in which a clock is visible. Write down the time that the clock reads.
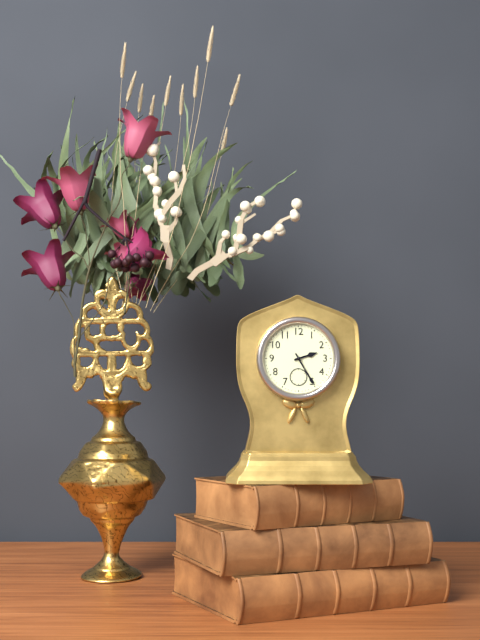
2:25
